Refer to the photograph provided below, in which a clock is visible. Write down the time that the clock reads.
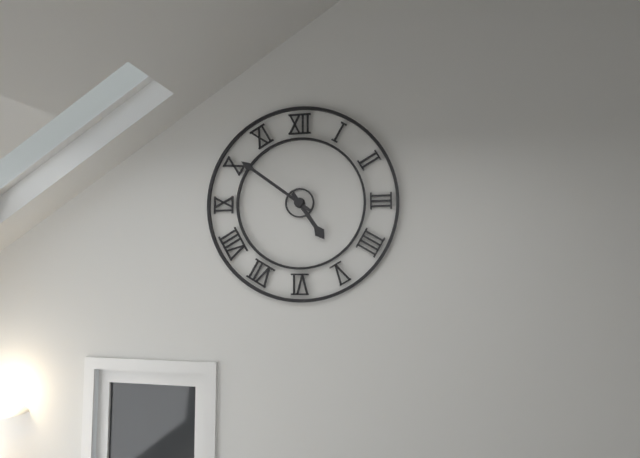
4:51
